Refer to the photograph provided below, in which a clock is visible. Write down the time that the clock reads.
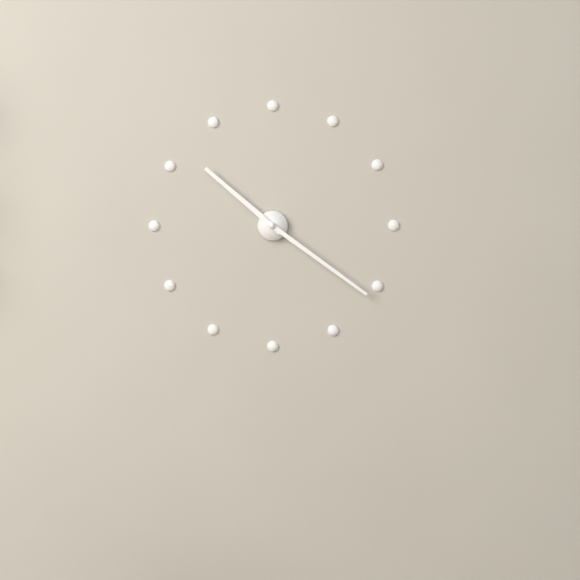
10:21
